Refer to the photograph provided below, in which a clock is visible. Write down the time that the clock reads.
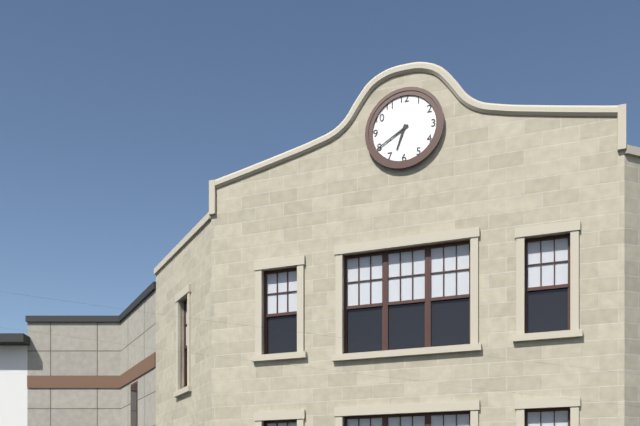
6:40
